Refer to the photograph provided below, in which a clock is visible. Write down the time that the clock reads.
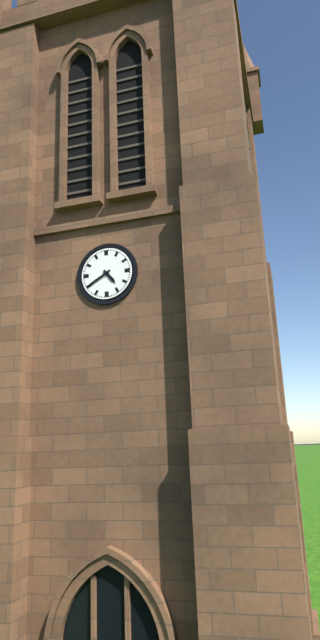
4:40
